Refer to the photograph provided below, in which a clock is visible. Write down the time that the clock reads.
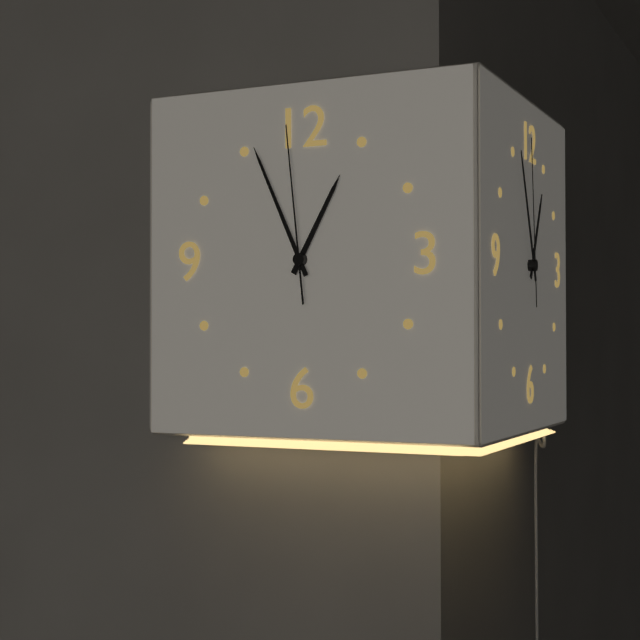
12:56:59
